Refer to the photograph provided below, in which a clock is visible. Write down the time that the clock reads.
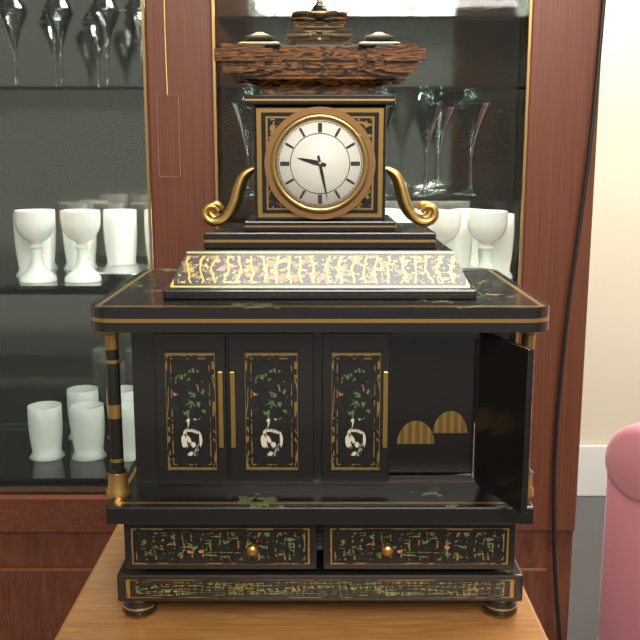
9:28
